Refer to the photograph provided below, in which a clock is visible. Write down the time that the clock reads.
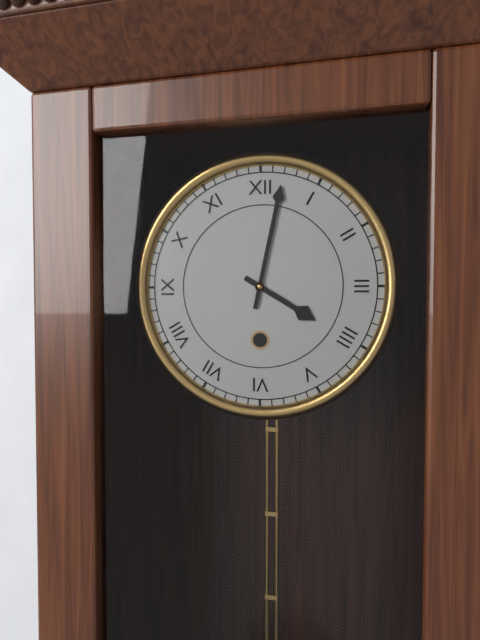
4:02
